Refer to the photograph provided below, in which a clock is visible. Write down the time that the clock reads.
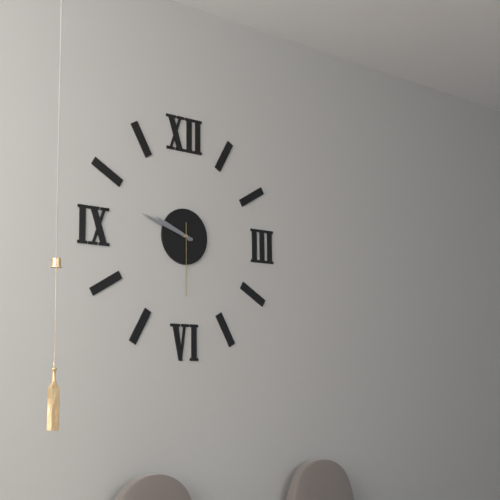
9:48:30
